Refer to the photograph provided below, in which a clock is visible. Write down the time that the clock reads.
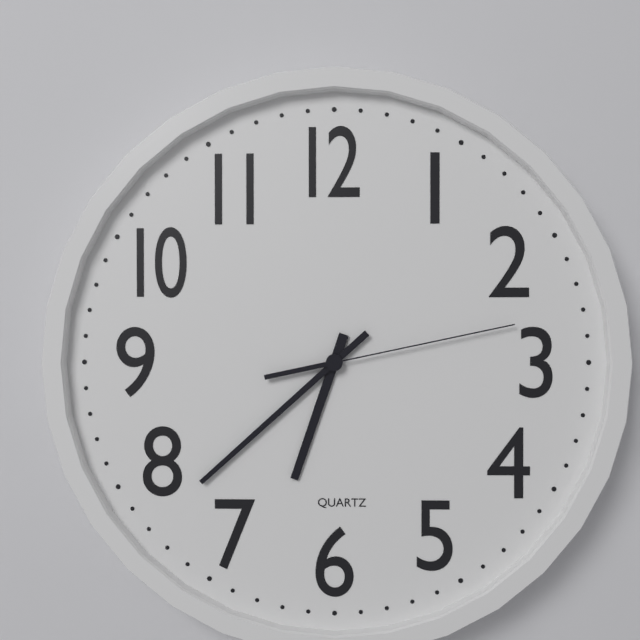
6:38:13
